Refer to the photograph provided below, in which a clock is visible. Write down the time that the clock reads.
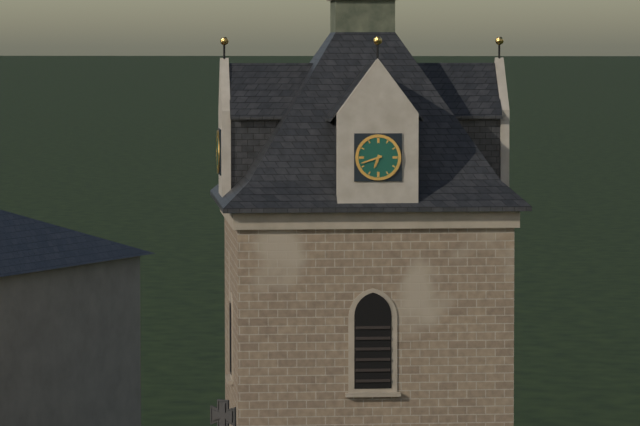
6:42
